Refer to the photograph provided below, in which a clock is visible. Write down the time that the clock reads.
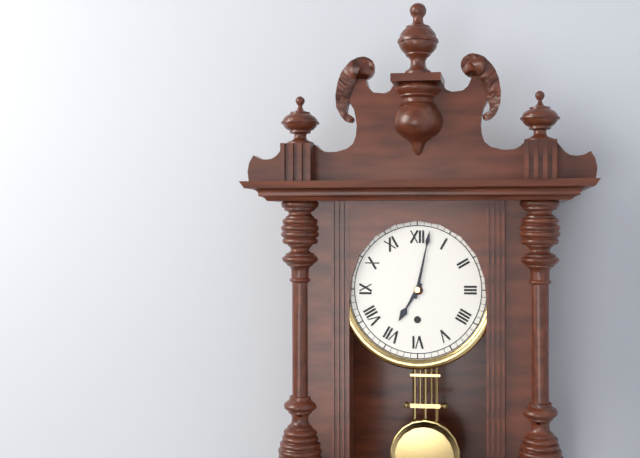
7:02
